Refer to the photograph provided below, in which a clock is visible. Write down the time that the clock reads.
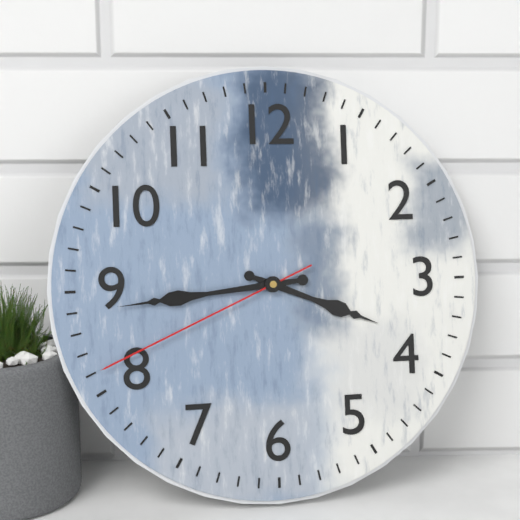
3:44:41
